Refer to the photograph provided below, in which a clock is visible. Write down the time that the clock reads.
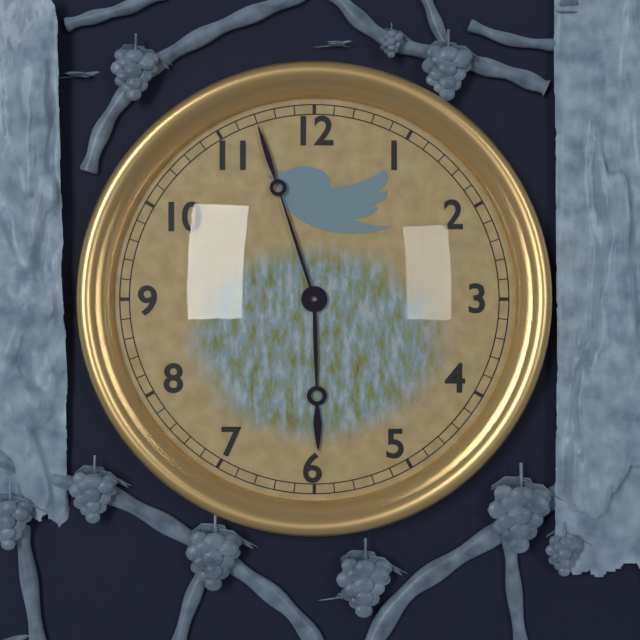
5:57
